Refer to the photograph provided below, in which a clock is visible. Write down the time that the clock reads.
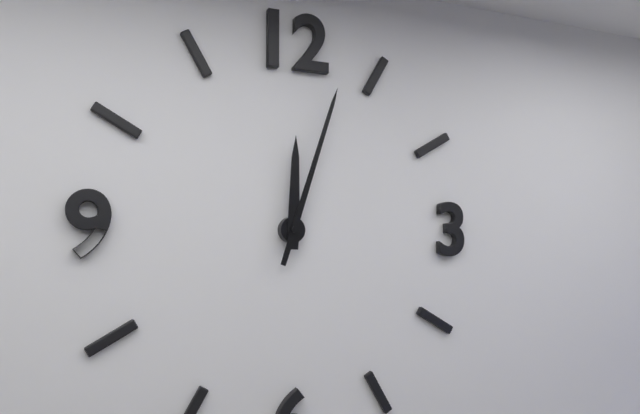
12:03
